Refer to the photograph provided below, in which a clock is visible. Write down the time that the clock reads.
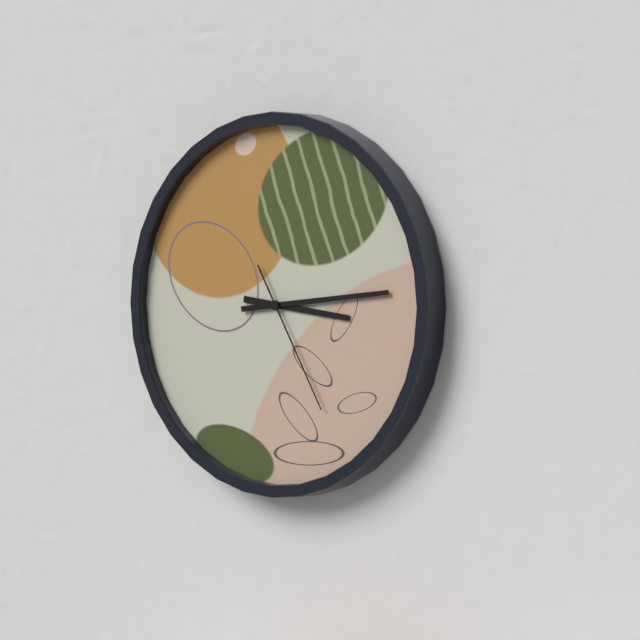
3:14:25
